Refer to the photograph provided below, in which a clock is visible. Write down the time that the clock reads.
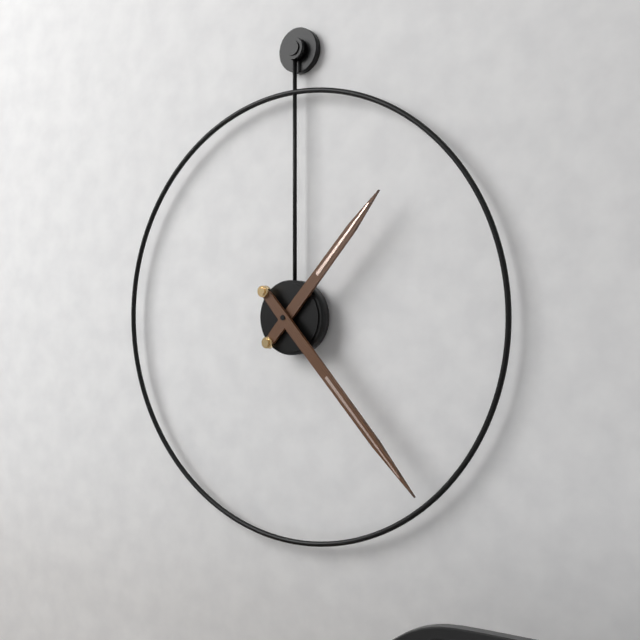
1:23
